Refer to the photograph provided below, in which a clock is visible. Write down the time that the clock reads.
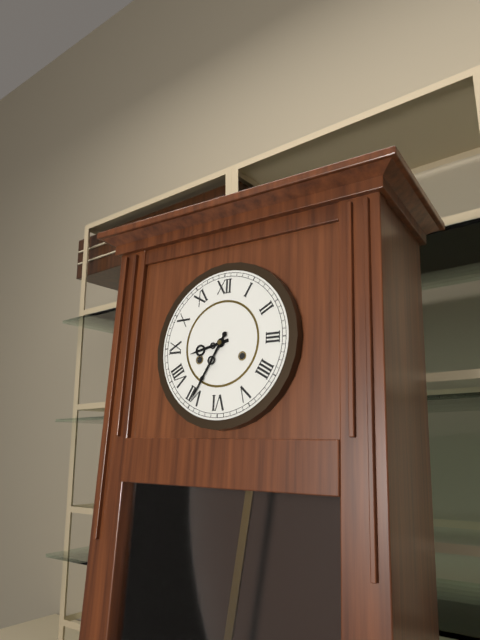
8:35
